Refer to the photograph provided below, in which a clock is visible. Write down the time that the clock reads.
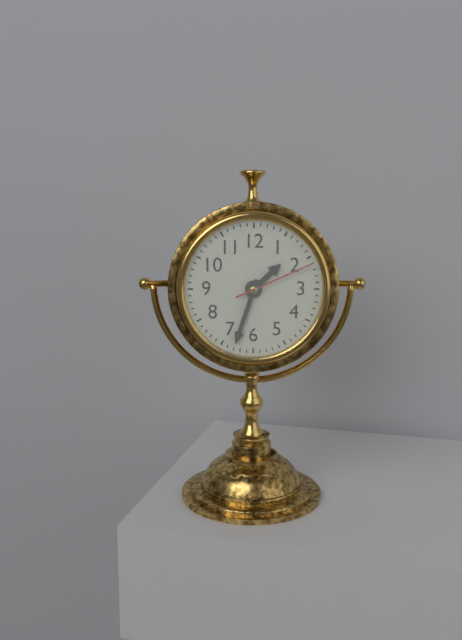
1:33:11
